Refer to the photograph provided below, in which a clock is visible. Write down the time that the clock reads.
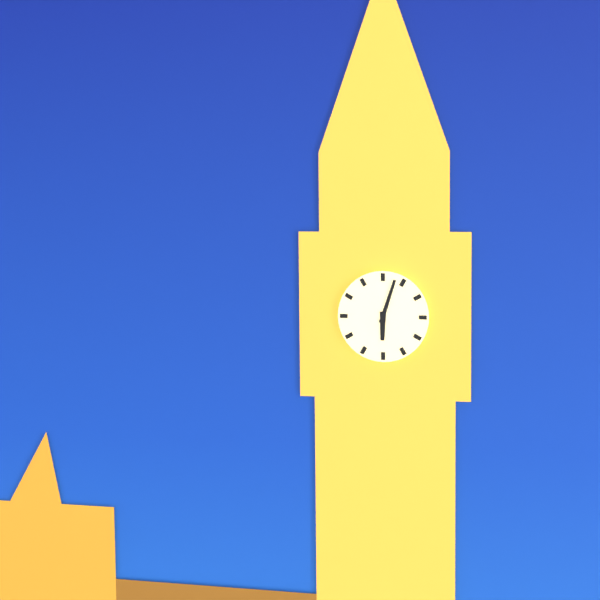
6:03
